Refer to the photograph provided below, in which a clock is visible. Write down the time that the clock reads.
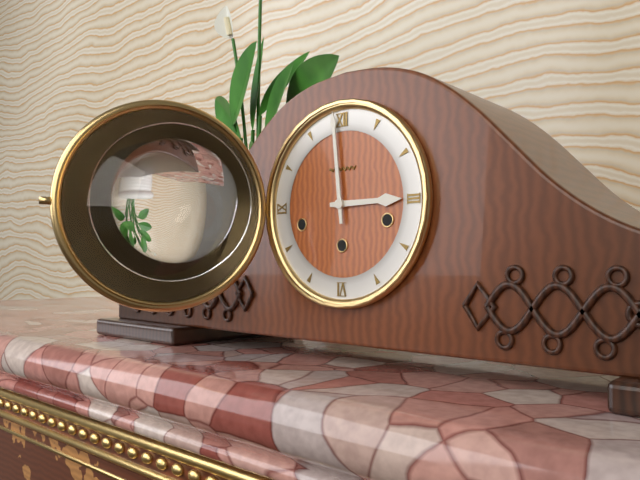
2:59
